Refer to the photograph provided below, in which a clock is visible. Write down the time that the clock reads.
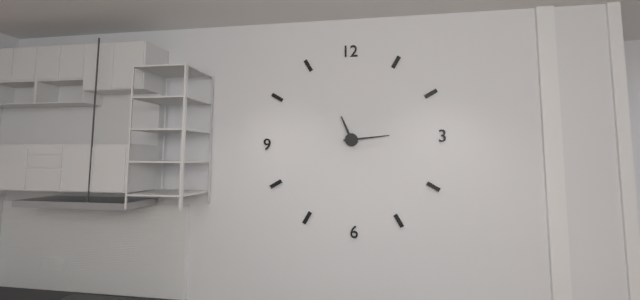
11:14
